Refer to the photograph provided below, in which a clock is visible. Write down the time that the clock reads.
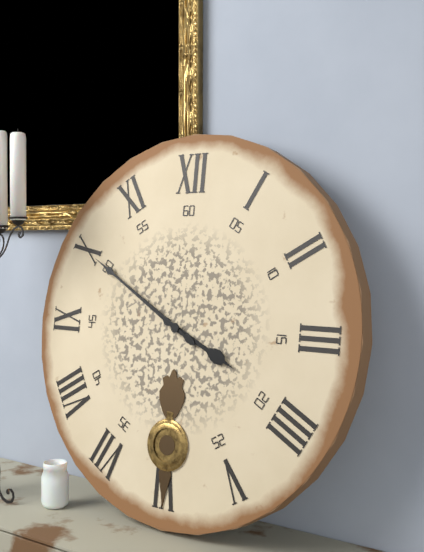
3:50
